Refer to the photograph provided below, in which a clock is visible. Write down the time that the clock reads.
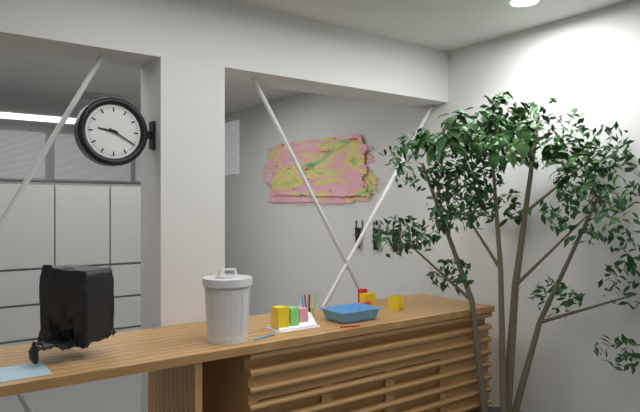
9:20
